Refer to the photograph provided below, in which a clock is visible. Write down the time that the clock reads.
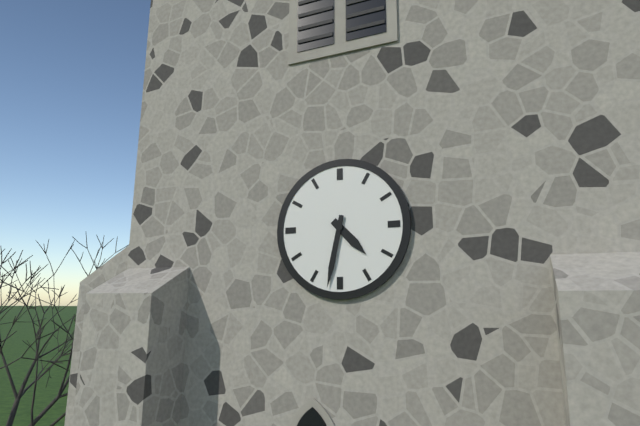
4:32
